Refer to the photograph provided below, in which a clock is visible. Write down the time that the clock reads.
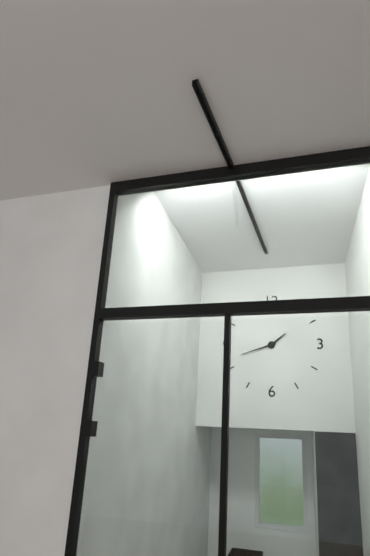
1:42
